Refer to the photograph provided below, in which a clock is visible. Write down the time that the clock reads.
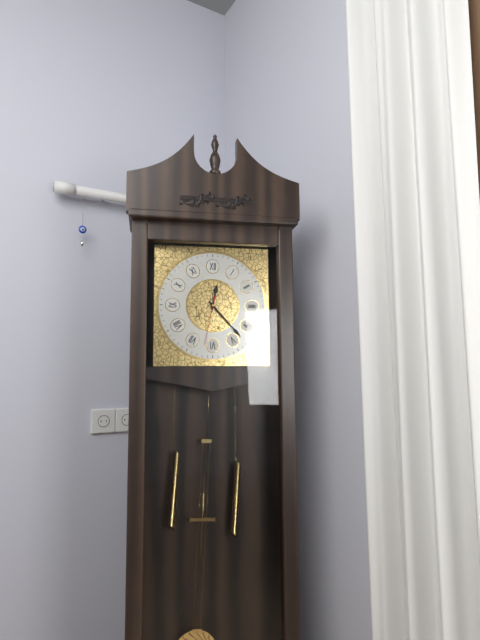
12:23:32
